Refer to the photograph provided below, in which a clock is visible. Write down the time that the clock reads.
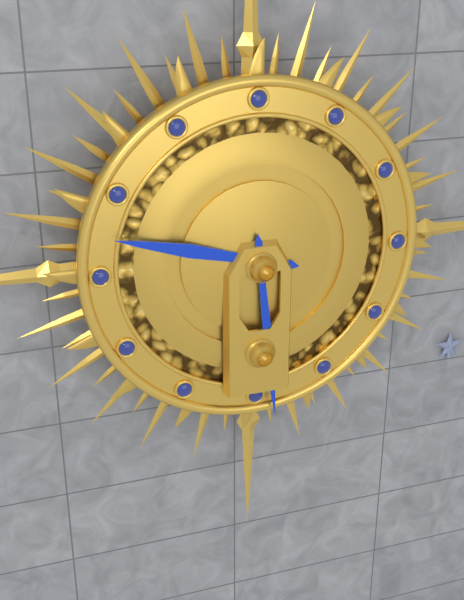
9:29
